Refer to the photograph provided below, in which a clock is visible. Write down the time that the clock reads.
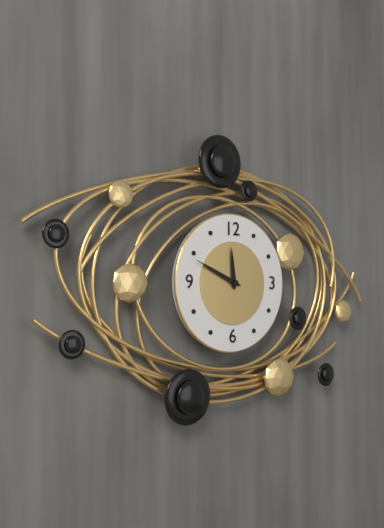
11:49
